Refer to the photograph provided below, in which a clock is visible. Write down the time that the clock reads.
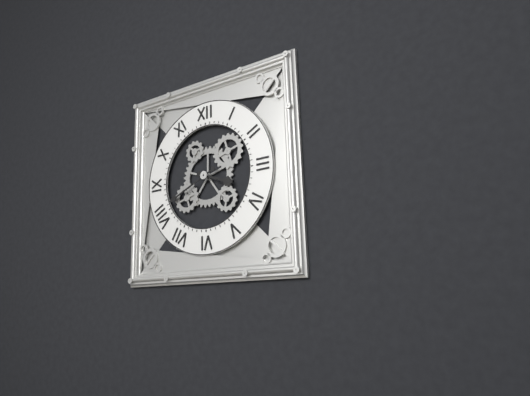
3:41
